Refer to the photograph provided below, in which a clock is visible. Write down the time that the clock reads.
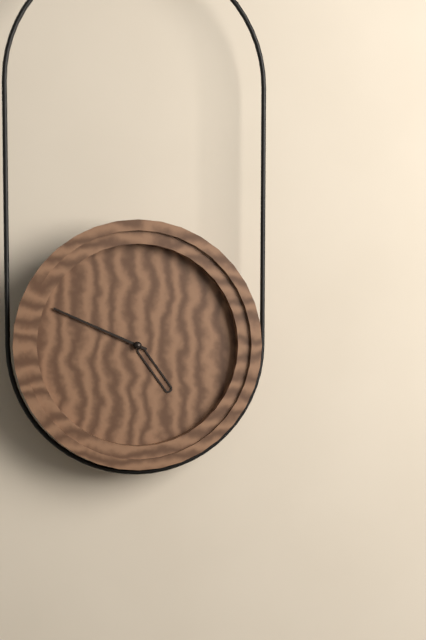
4:49
